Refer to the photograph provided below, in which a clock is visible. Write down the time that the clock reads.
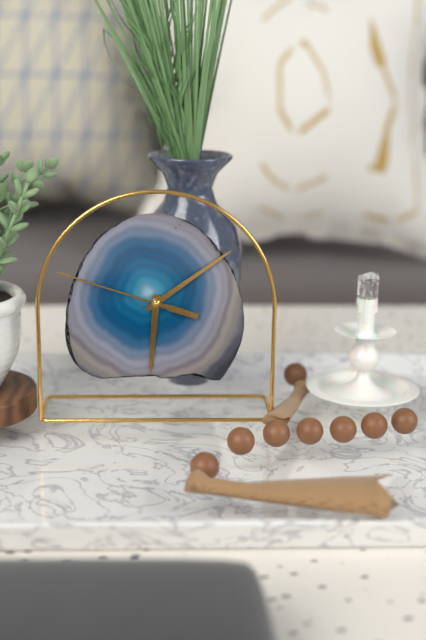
6:09:48
